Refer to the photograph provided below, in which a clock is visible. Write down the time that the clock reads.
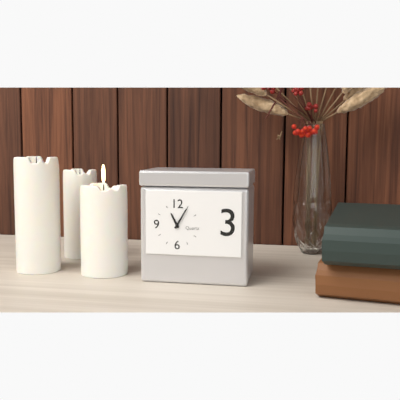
11:05
